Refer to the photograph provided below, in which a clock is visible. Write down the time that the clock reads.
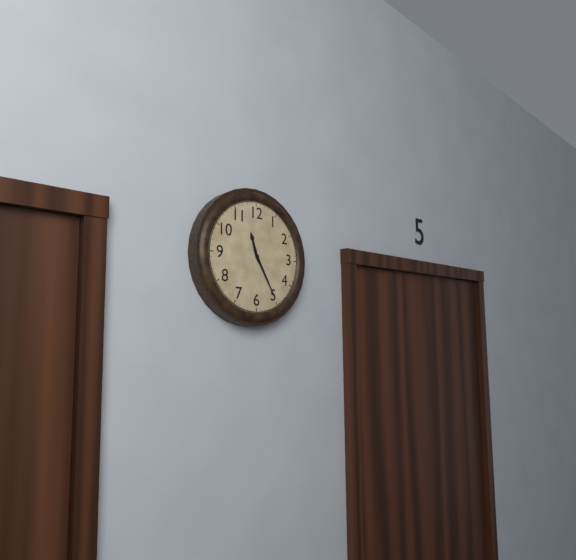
11:25
